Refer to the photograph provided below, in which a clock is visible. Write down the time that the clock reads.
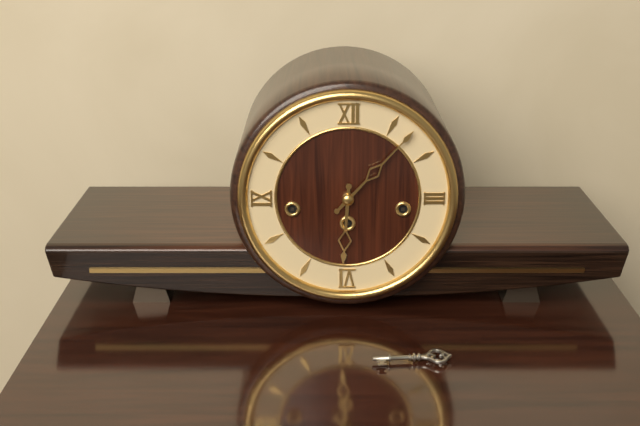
6:07
